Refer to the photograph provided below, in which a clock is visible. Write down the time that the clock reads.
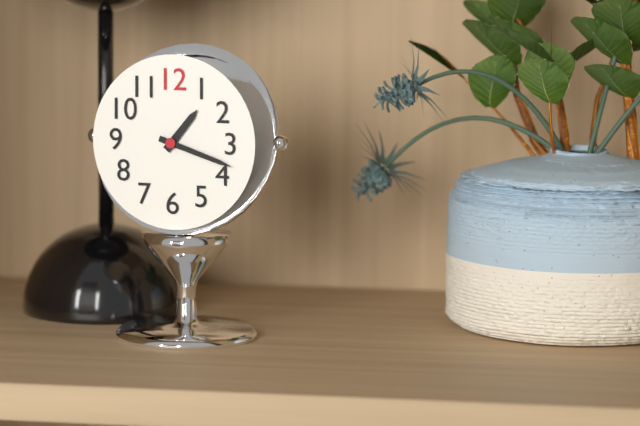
1:18
